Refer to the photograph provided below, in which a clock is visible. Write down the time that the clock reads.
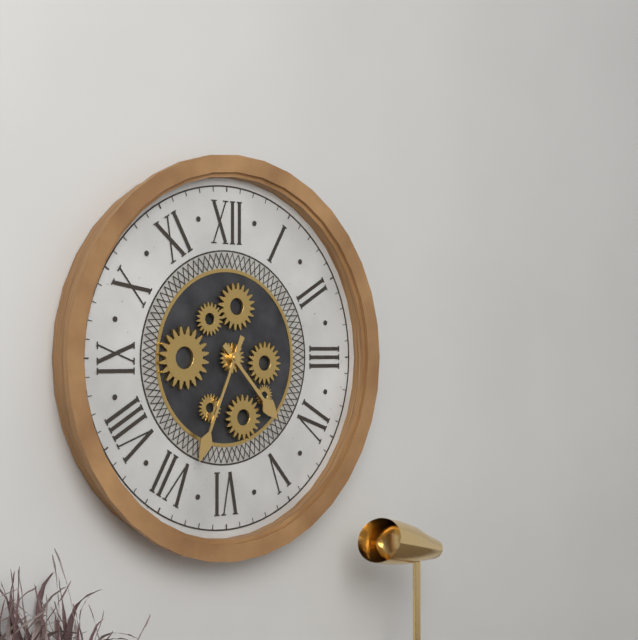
4:34
